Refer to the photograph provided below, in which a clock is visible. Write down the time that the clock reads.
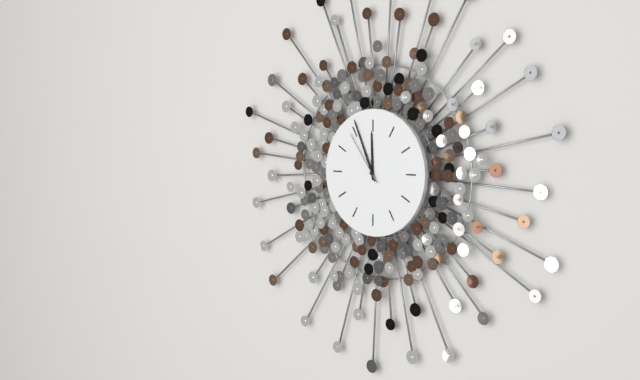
11:56:54
